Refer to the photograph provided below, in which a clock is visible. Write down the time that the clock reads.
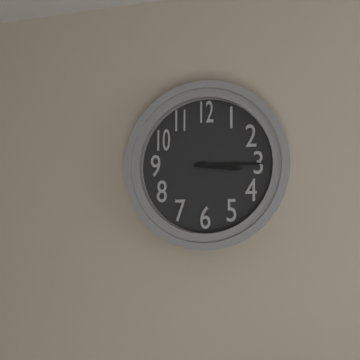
3:15
